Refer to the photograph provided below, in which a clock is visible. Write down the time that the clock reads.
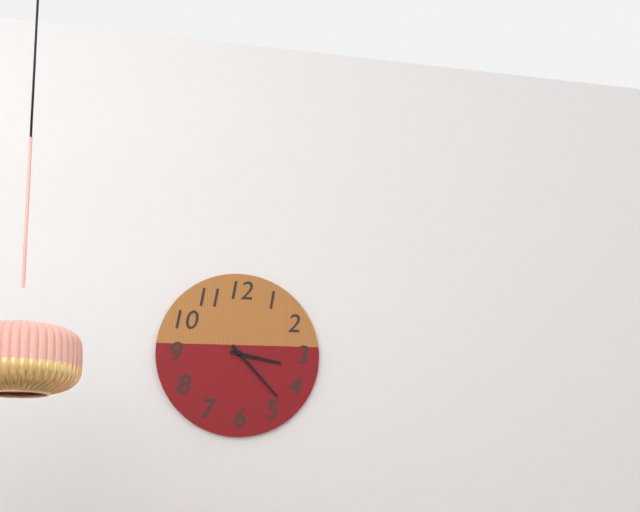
3:23
